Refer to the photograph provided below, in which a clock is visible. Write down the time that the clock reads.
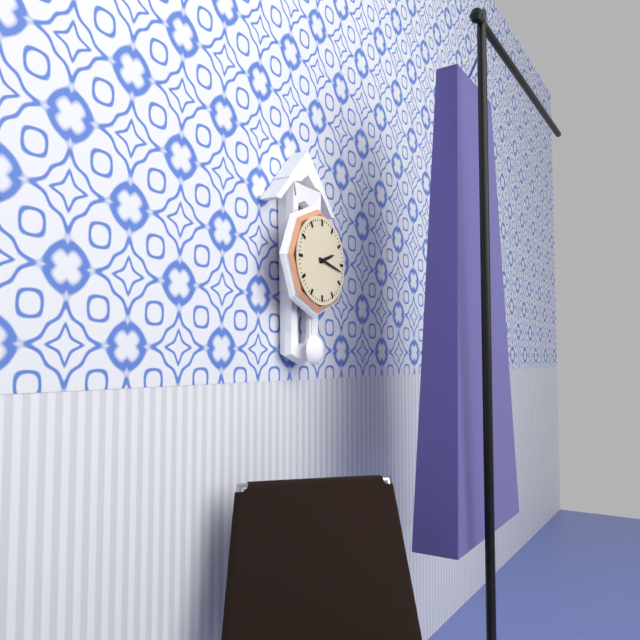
2:17
